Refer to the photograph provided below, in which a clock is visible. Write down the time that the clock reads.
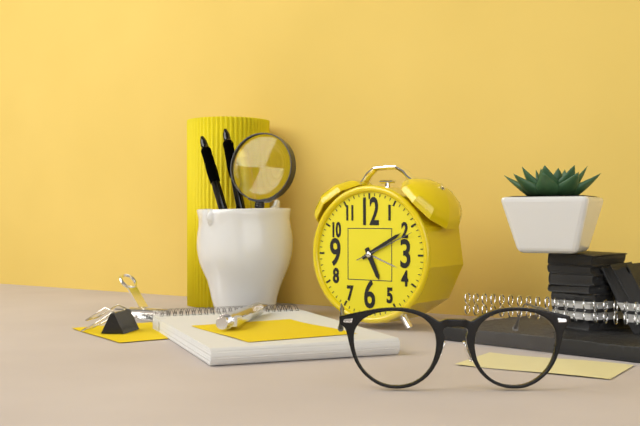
5:10:11
